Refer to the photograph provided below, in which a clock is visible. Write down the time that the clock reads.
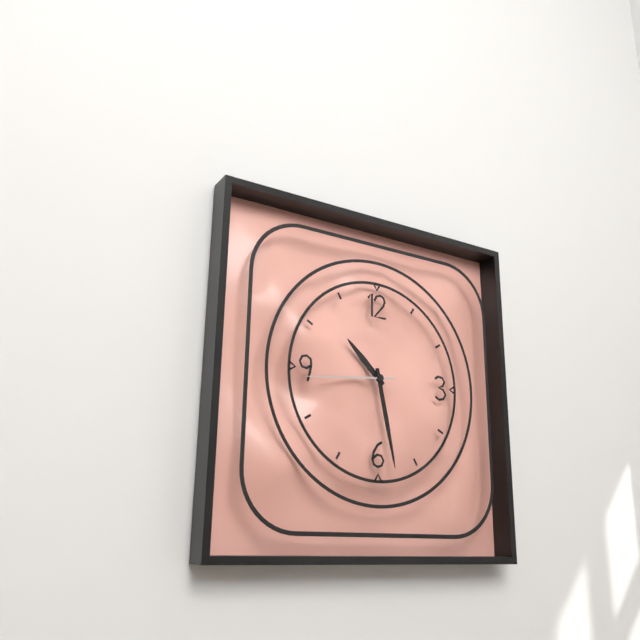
10:28:44
